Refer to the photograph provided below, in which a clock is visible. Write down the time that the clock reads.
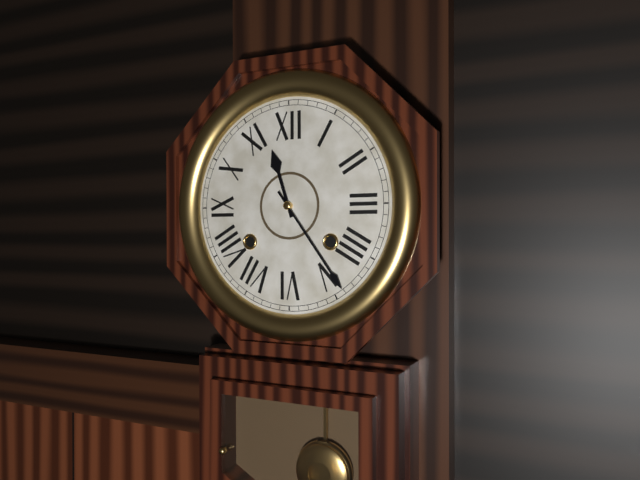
11:24
